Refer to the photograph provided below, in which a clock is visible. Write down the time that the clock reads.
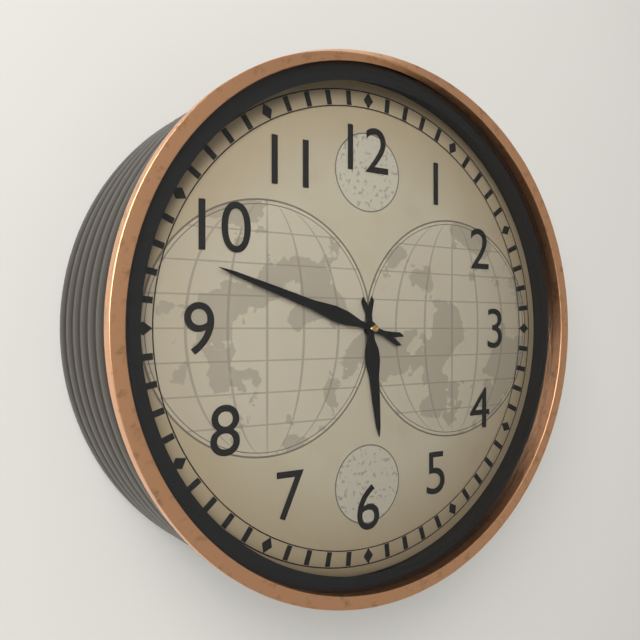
5:48
